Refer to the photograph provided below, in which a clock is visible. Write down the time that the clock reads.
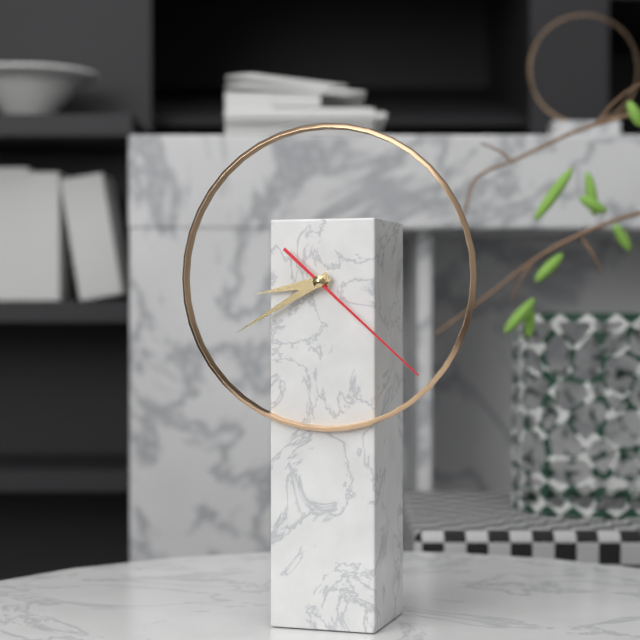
8:40:22
